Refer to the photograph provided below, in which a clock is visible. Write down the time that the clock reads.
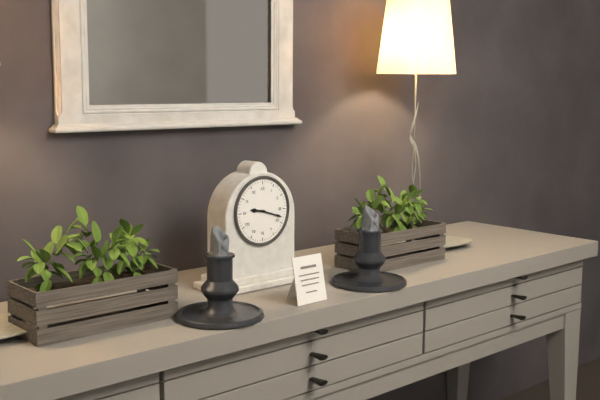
9:18
